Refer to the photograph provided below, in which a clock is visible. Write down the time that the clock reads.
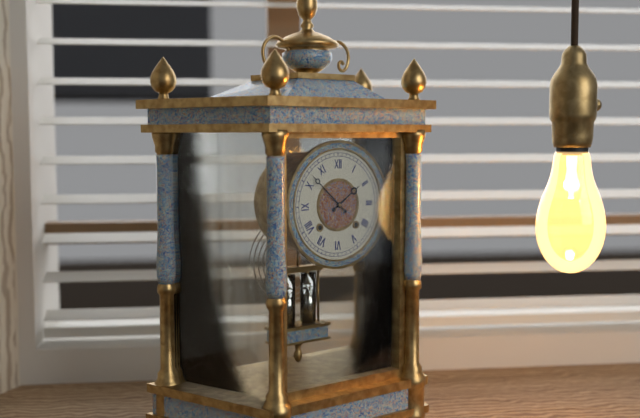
1:52
